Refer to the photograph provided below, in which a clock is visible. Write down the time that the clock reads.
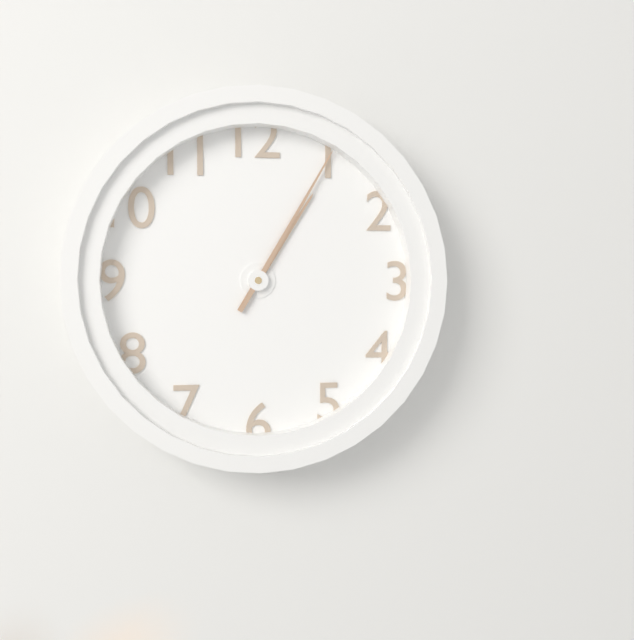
1:05
